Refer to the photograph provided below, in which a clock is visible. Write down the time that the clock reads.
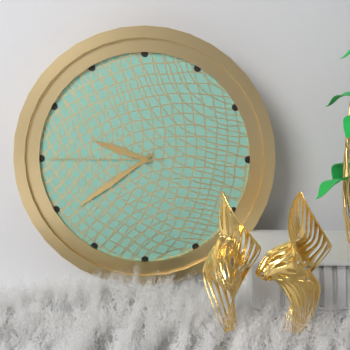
9:39:45
